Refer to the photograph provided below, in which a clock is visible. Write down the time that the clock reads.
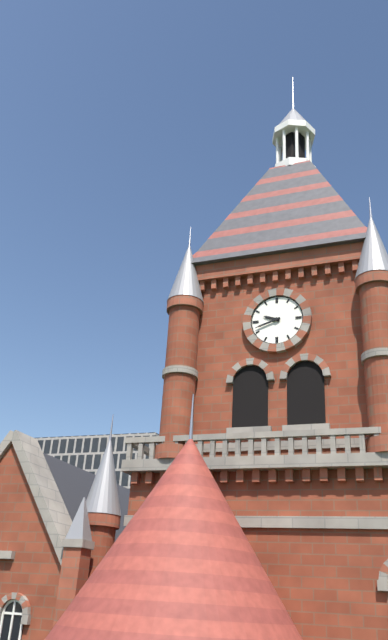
9:42
